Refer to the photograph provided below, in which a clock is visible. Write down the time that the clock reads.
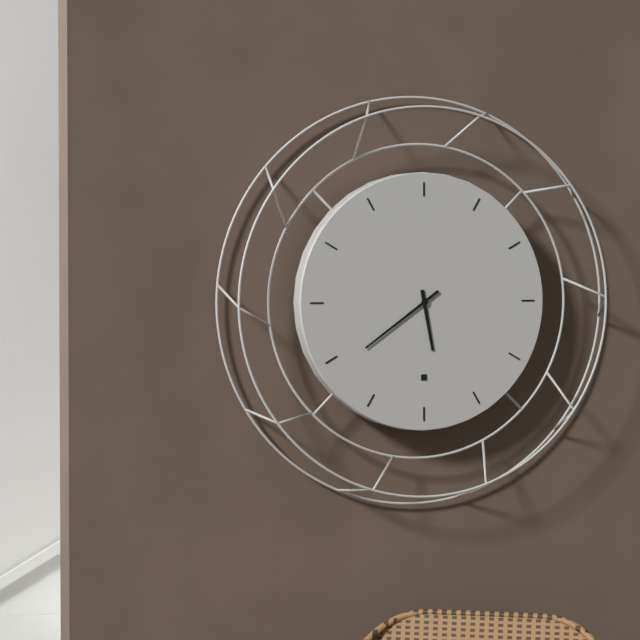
5:39
